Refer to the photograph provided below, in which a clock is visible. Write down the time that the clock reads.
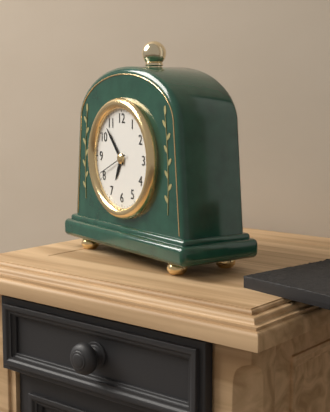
6:53:41
